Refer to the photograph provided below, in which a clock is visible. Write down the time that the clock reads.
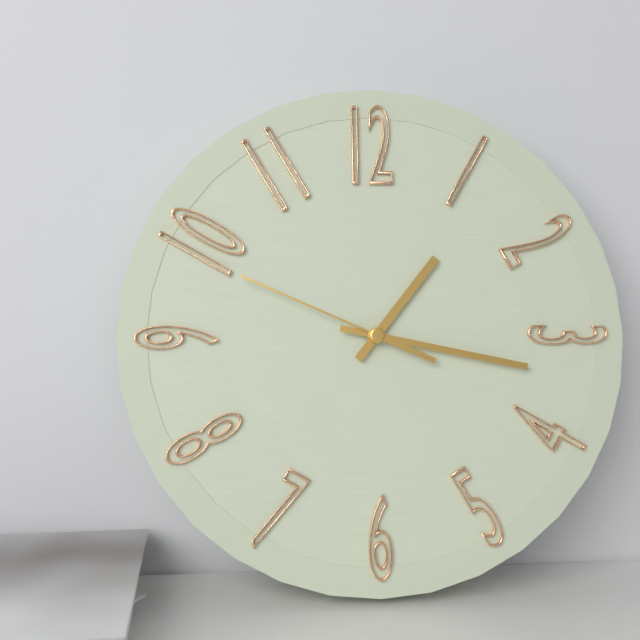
1:17:49
